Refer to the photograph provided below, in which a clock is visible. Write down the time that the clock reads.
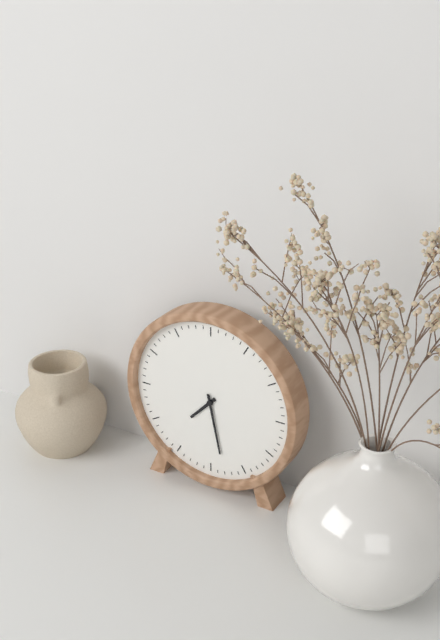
7:28
